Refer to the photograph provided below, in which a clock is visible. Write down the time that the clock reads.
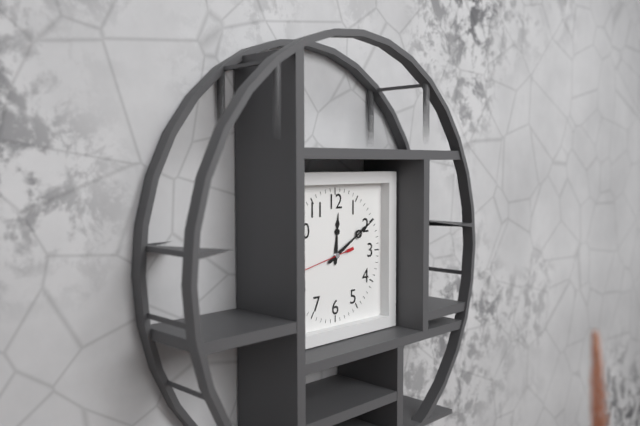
12:10
